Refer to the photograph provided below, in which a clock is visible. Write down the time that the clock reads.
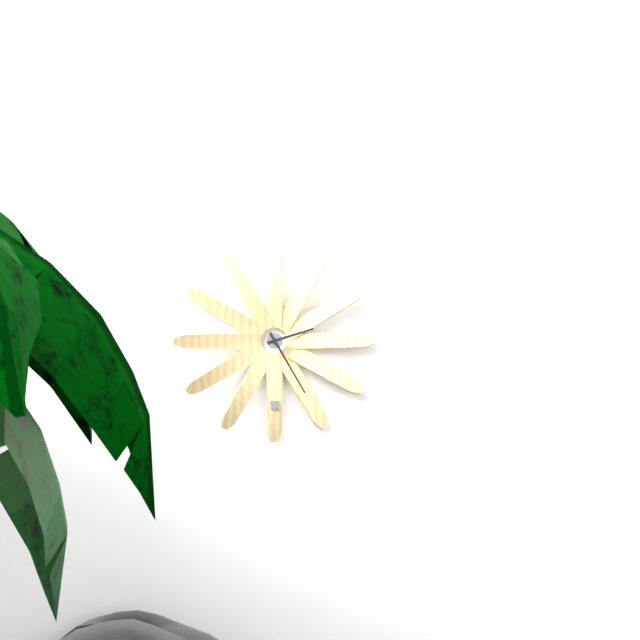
2:25
